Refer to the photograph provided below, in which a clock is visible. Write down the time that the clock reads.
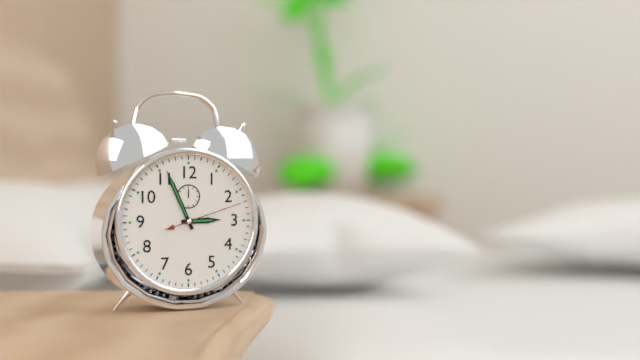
2:56:12
